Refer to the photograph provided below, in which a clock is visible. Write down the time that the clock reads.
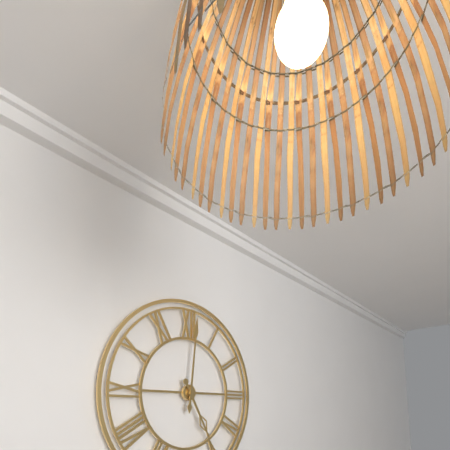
5:01
